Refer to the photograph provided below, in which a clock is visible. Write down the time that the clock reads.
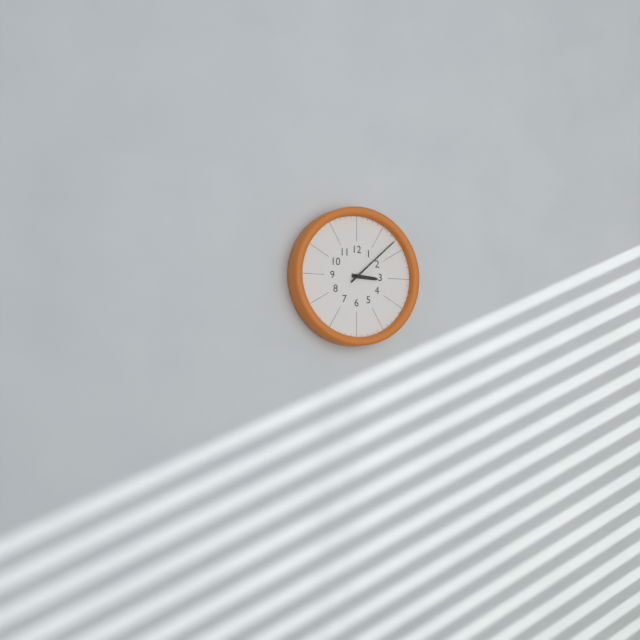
3:08
